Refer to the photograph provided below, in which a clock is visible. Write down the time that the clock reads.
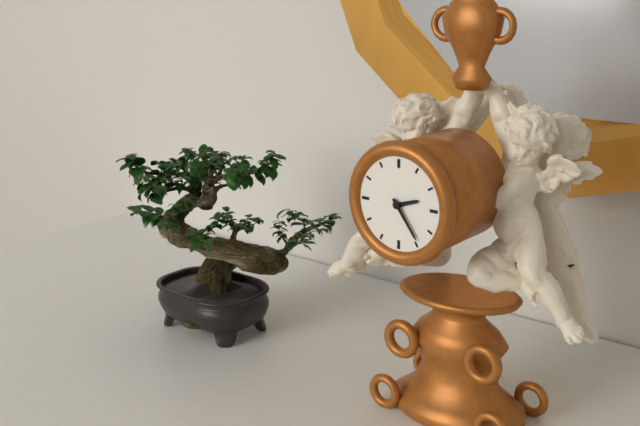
2:24
